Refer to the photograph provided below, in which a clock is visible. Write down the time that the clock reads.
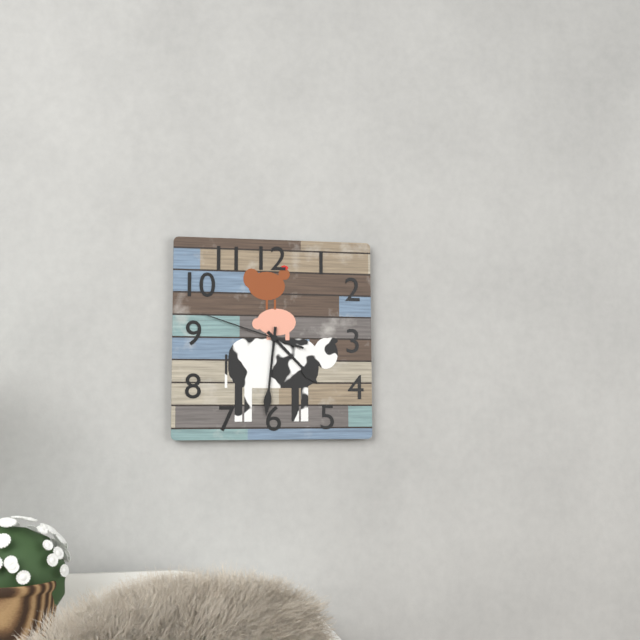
4:31:48
